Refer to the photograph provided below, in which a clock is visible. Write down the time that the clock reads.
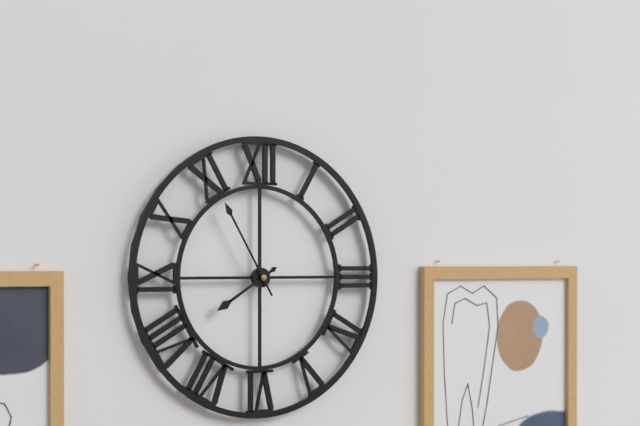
7:55
